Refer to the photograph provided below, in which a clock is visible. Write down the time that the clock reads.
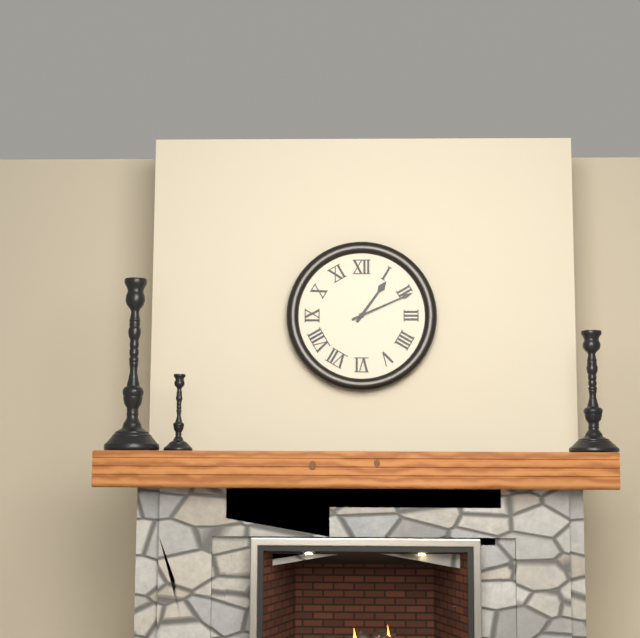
1:11
